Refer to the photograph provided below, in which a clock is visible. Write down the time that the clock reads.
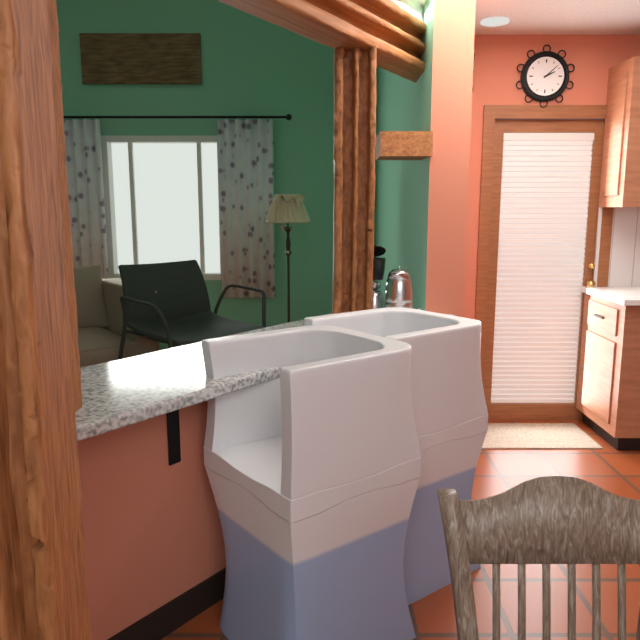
2:08
